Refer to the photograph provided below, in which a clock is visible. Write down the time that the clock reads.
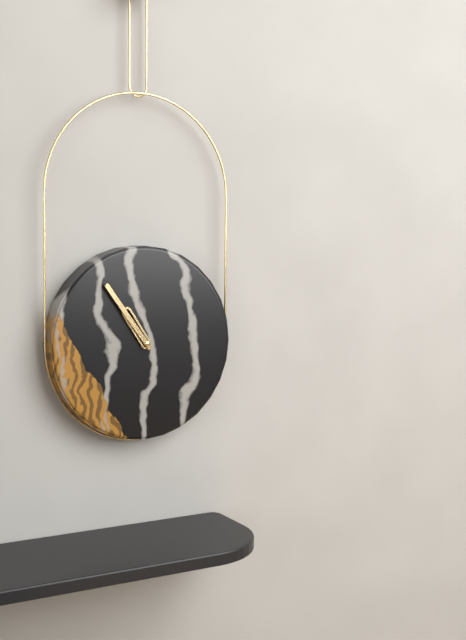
10:54
